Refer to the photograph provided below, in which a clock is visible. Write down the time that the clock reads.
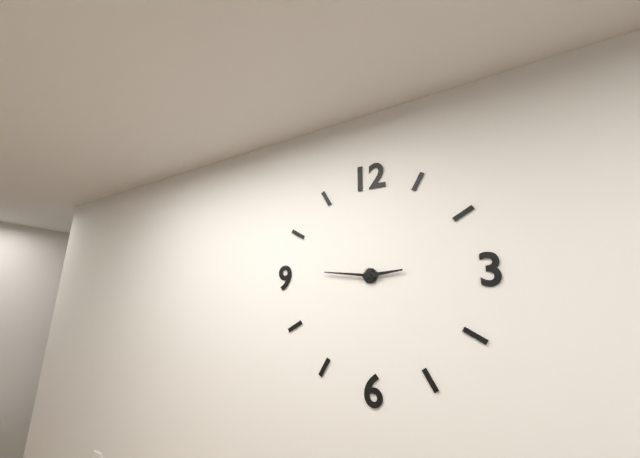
2:46
